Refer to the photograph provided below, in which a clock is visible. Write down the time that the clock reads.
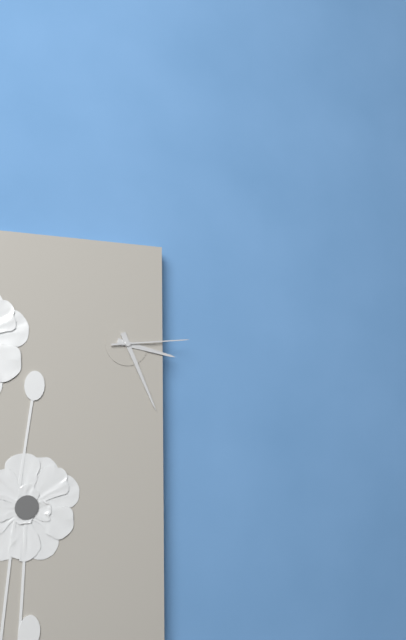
3:26:14
